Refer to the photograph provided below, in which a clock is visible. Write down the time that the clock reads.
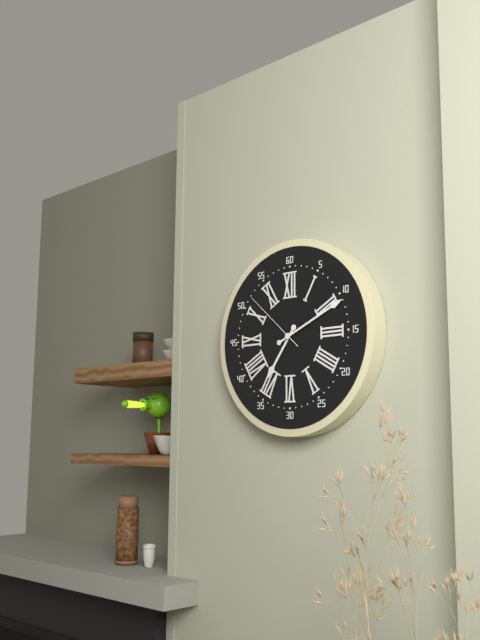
7:11:52
